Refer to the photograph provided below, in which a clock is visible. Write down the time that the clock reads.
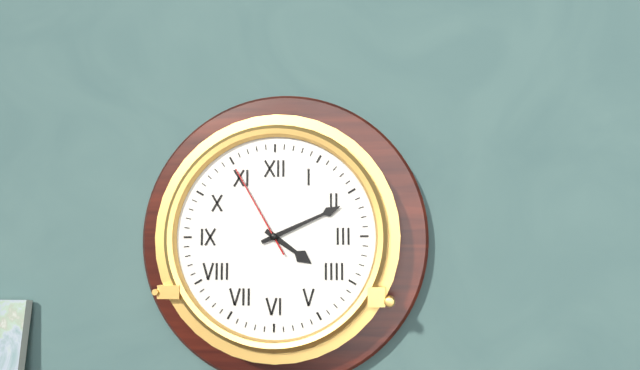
4:11:55
